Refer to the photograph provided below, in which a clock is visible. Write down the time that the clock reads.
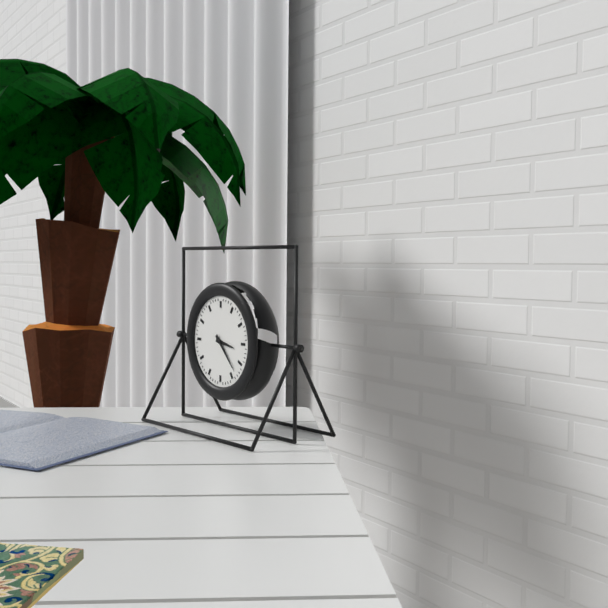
3:23
